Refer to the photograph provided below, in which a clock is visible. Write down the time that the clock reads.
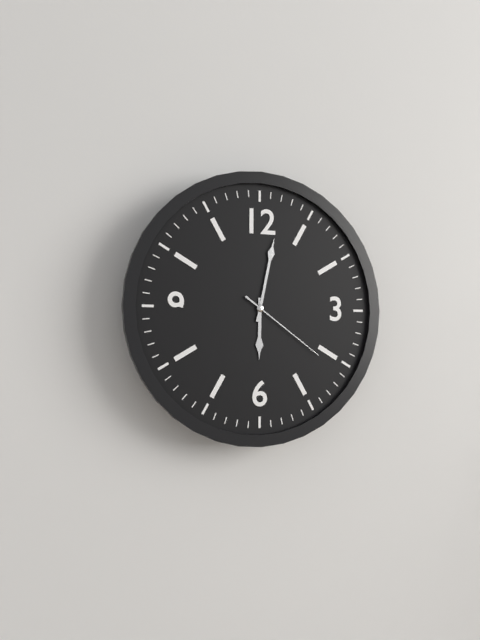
6:02:21
